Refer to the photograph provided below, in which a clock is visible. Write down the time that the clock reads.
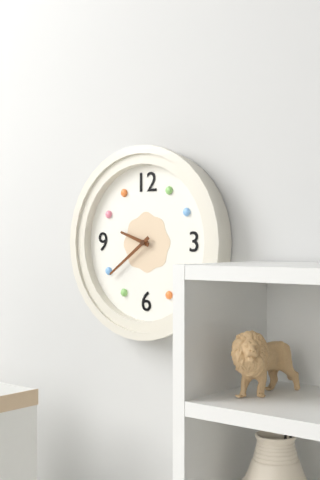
9:39
